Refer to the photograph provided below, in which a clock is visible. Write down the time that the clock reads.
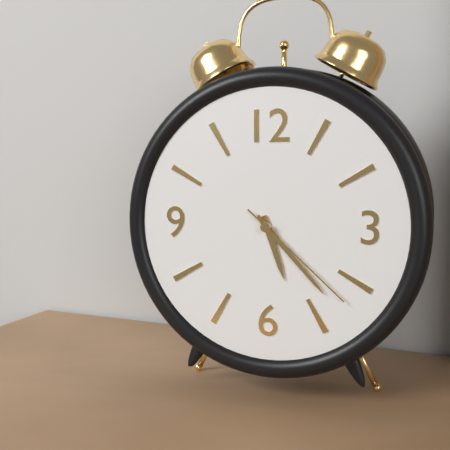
5:23:22
